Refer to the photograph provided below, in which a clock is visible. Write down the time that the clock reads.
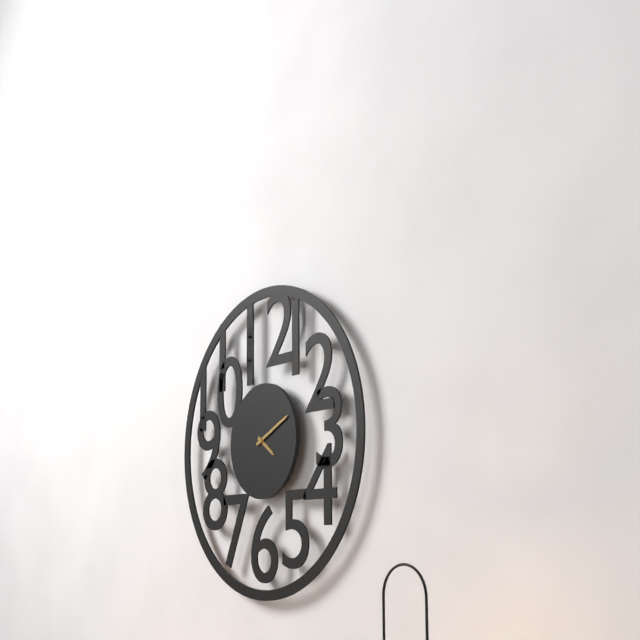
4:11
